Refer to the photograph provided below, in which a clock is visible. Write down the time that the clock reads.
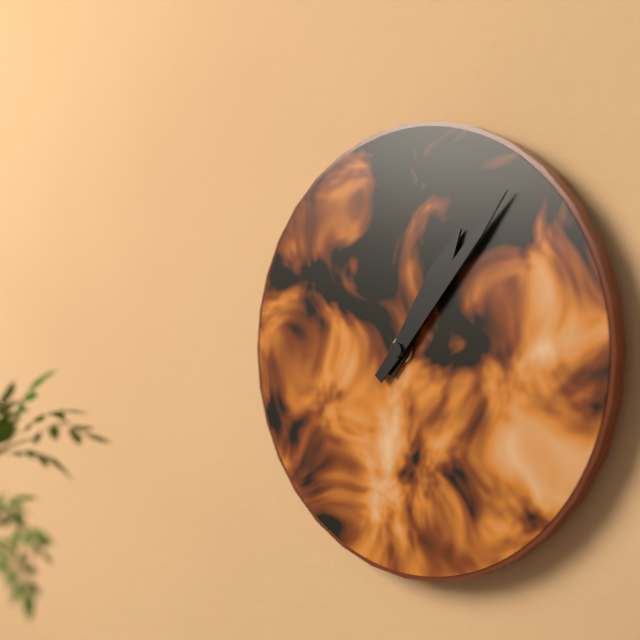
1:07
